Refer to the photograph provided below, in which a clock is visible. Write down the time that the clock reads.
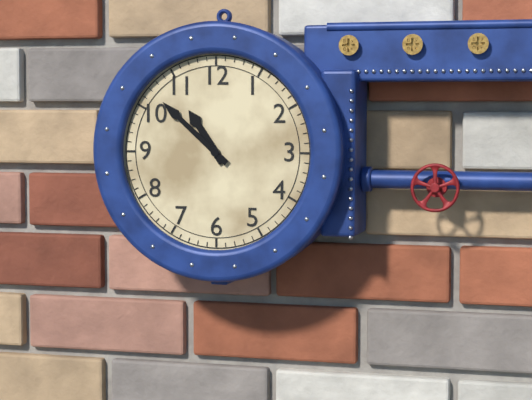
10:52
